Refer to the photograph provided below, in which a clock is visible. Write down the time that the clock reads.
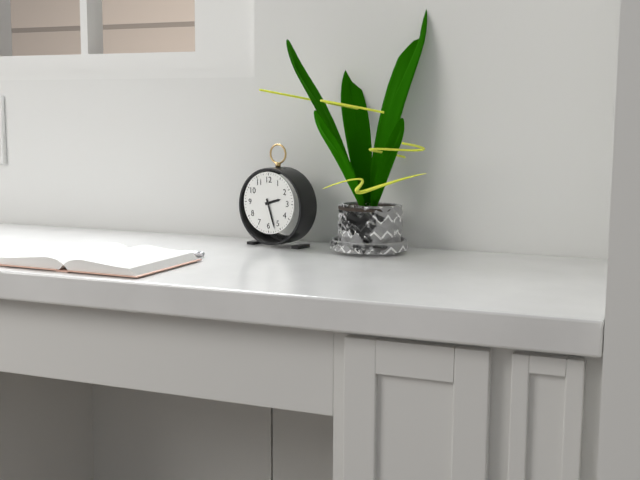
2:27
